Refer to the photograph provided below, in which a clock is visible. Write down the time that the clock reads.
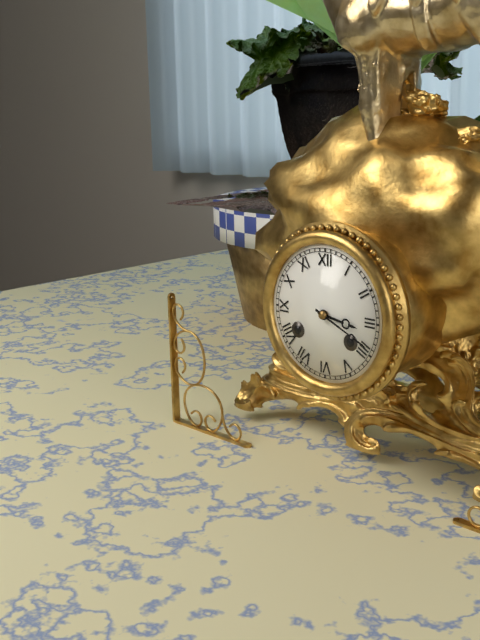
3:19
